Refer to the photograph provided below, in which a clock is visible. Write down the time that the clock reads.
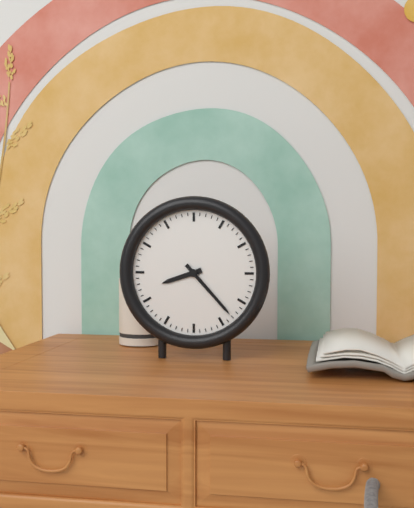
8:23
